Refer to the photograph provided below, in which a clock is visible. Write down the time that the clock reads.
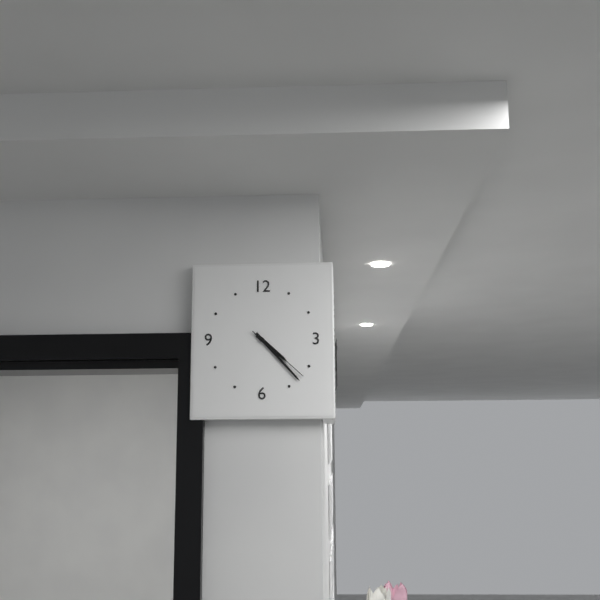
4:23:22
